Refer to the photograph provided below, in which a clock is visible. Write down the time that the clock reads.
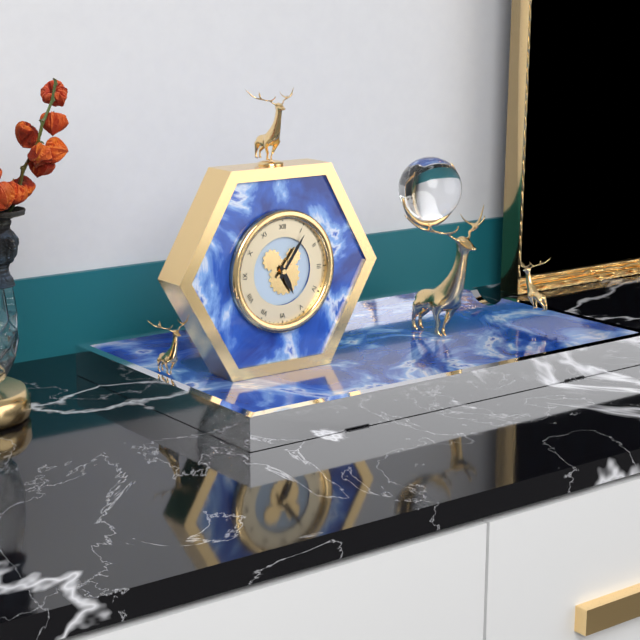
5:06
